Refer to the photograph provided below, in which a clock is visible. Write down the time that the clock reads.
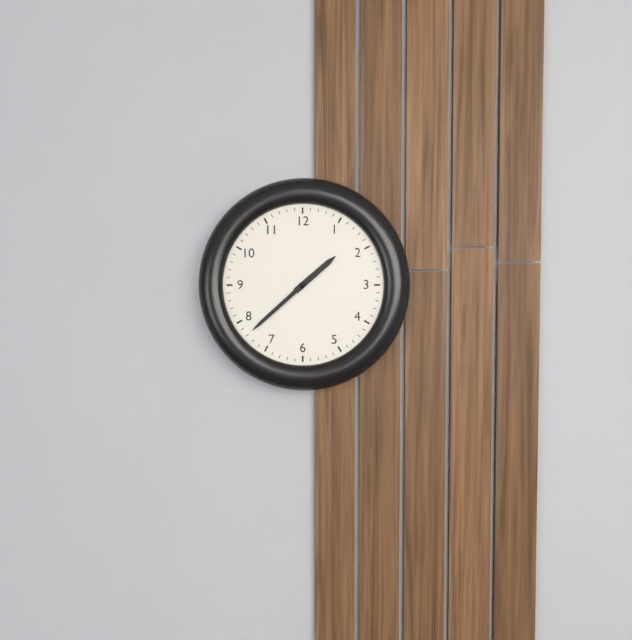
1:38
